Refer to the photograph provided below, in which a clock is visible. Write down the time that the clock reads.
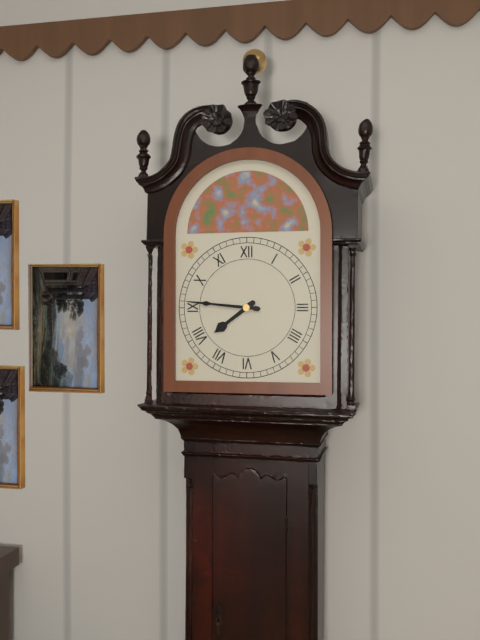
7:46
